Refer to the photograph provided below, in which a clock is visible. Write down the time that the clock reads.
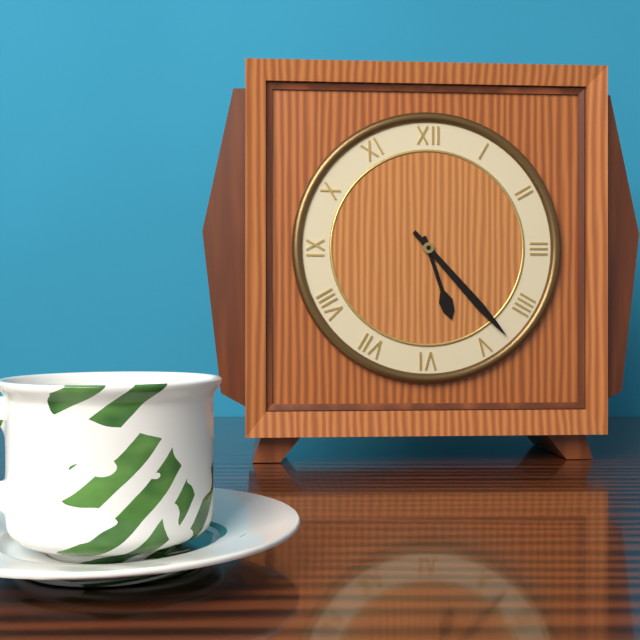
5:23
